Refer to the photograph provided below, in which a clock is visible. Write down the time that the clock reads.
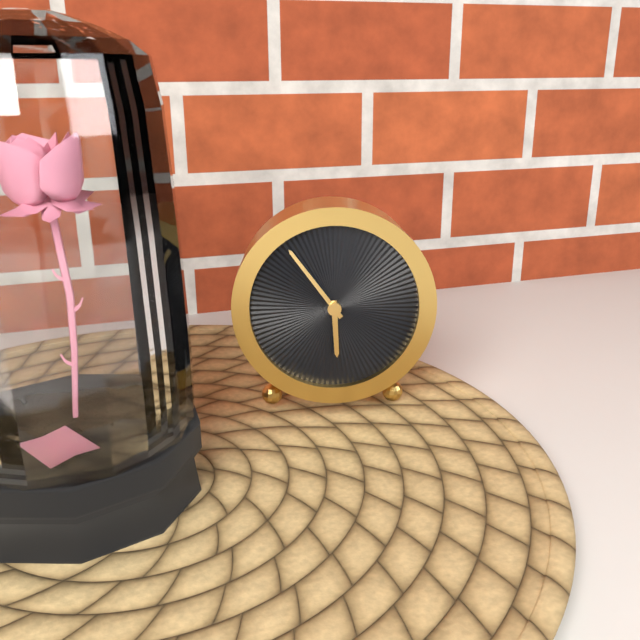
5:54
